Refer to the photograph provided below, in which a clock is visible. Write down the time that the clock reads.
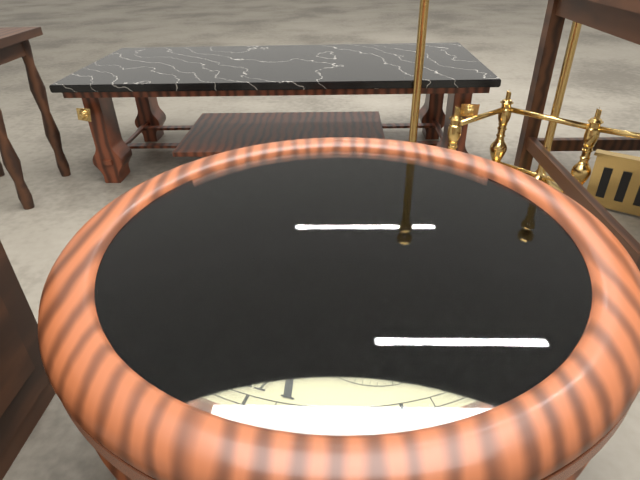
10:05:02
